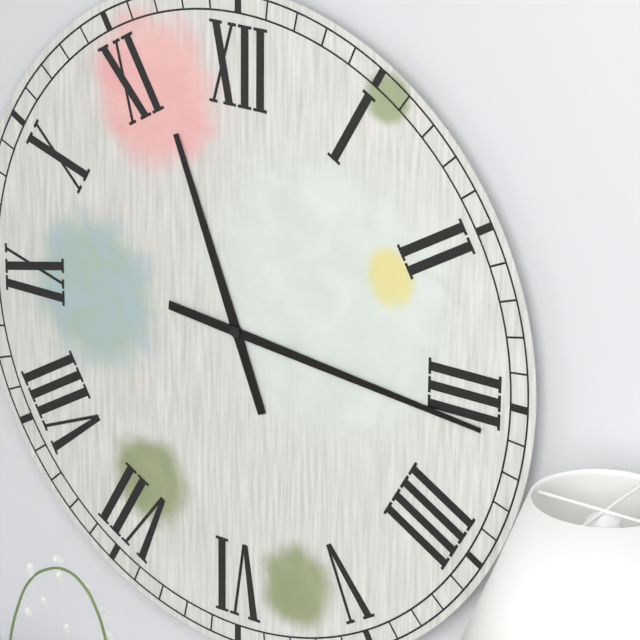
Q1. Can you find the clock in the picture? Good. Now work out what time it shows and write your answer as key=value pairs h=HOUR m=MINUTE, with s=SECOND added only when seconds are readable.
h=11 m=16
